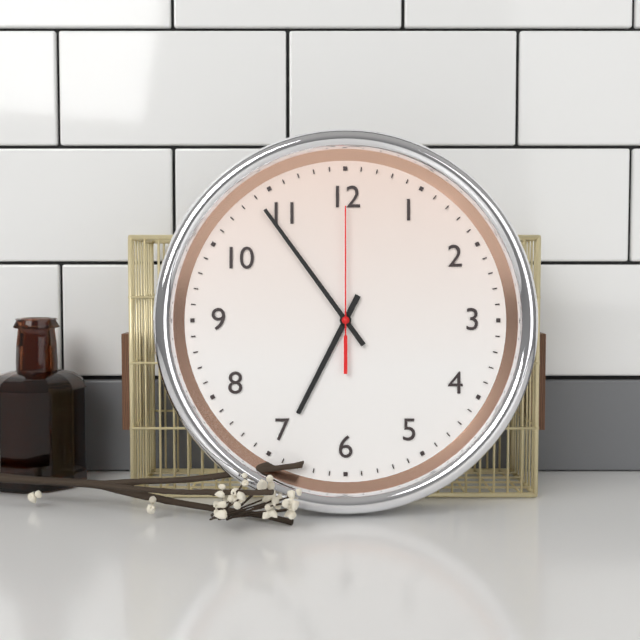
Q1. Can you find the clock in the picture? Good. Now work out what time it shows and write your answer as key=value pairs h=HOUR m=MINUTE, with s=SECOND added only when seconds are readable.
h=6 m=54 s=0
